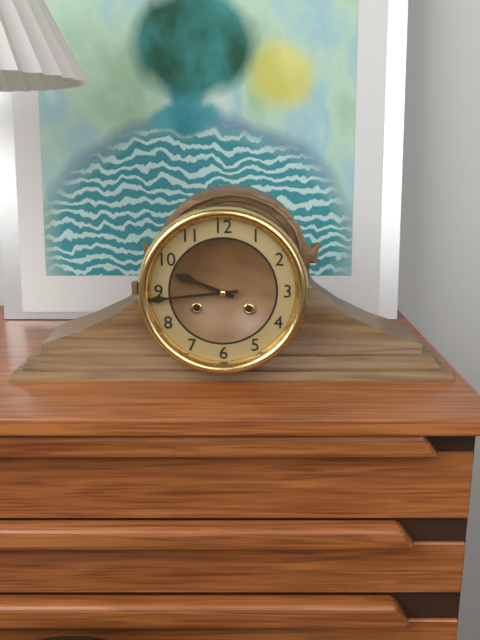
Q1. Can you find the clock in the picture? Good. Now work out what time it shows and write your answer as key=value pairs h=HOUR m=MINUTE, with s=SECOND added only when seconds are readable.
h=9 m=44
